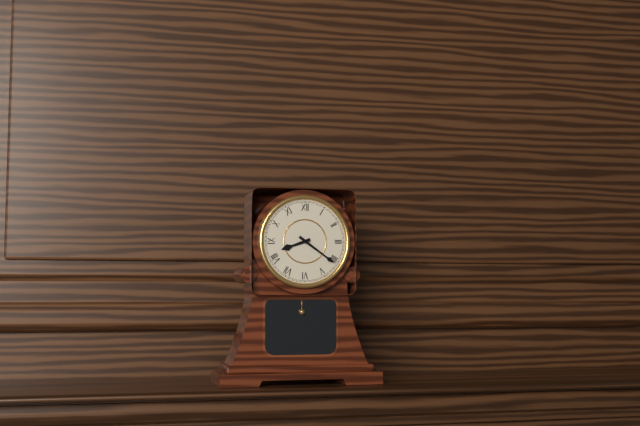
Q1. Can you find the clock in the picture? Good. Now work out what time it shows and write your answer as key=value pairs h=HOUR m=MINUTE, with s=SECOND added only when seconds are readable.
h=8 m=21
